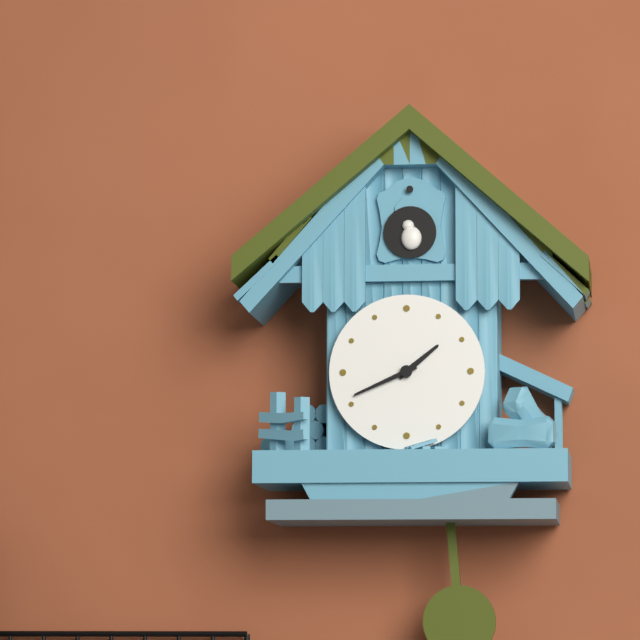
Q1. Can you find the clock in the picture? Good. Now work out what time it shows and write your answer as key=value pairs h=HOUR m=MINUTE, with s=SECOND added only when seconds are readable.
h=1 m=41
